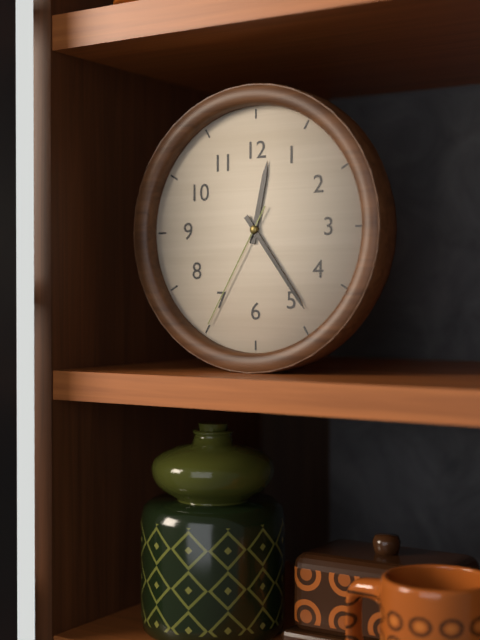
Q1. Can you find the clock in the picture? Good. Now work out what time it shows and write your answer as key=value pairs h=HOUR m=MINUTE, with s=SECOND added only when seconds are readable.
h=12 m=24 s=35
